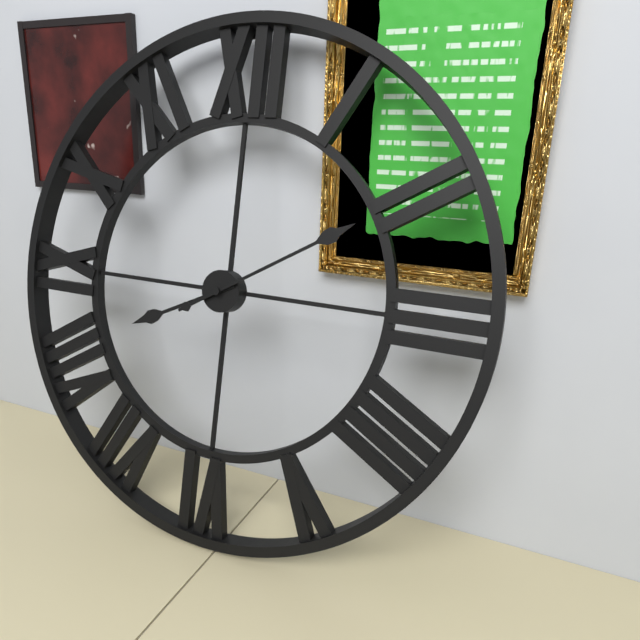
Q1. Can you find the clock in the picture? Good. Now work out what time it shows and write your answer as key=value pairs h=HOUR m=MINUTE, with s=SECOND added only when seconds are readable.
h=8 m=10
